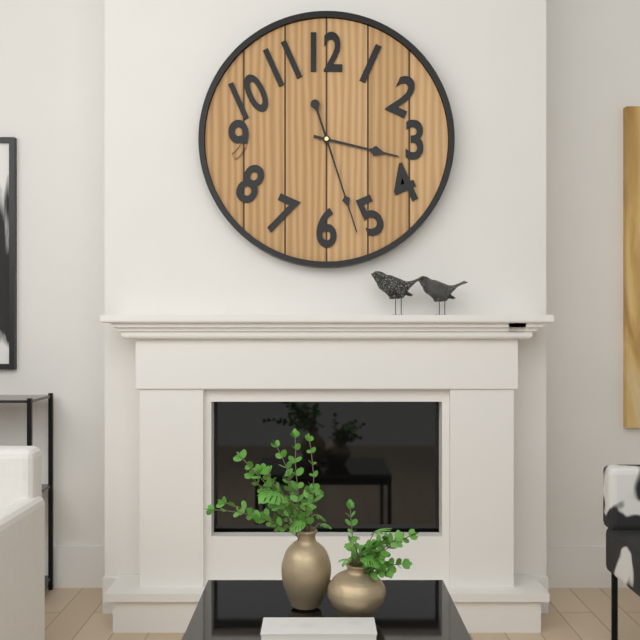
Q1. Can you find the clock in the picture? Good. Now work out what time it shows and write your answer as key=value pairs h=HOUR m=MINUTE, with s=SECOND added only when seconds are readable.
h=3 m=27
